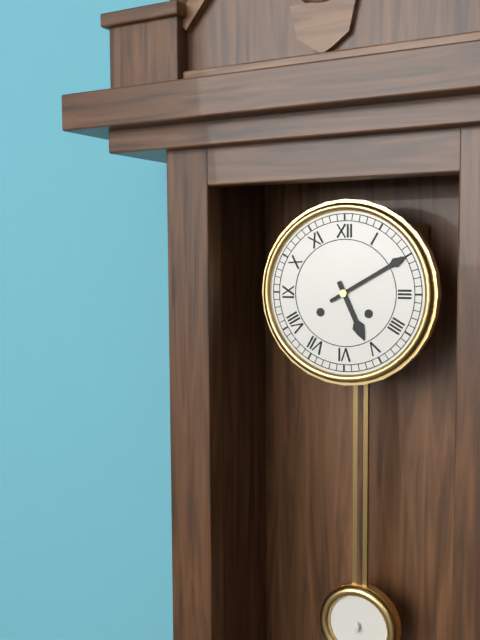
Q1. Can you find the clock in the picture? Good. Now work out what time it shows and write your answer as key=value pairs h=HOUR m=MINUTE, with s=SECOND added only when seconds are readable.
h=5 m=10
